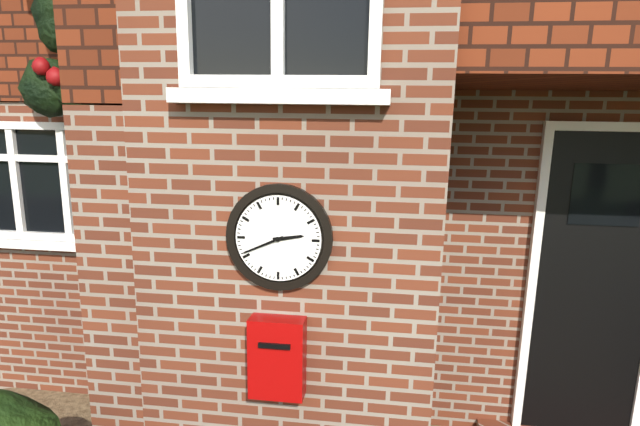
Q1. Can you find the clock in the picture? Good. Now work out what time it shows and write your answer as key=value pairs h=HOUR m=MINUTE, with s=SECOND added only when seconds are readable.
h=2 m=41
